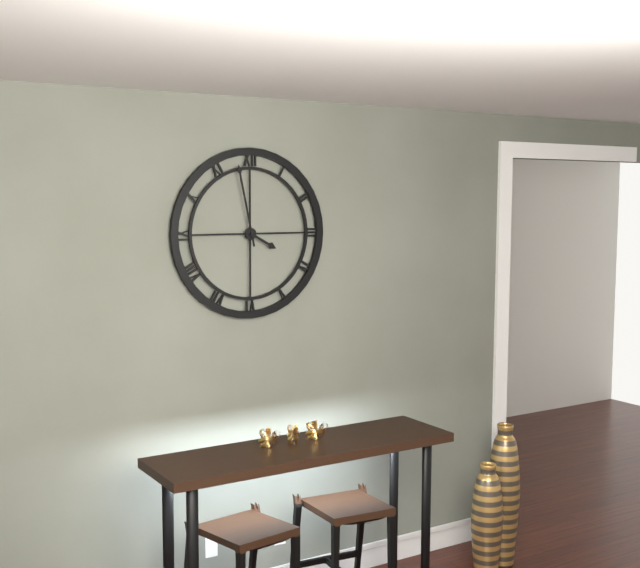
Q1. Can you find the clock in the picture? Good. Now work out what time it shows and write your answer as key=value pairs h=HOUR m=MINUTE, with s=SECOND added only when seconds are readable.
h=3 m=58
